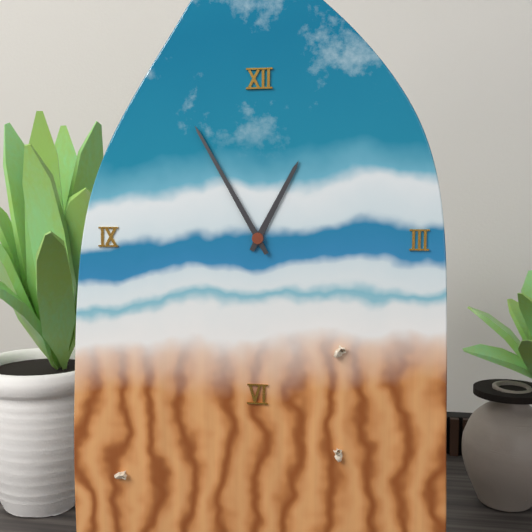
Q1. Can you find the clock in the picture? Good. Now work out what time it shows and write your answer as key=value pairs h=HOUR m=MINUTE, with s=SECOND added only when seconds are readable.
h=12 m=55
